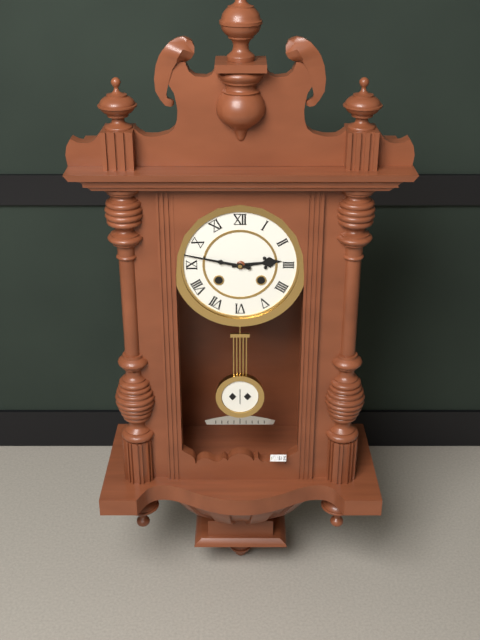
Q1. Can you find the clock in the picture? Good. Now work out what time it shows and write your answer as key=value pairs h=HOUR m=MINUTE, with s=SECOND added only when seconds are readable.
h=2 m=47
